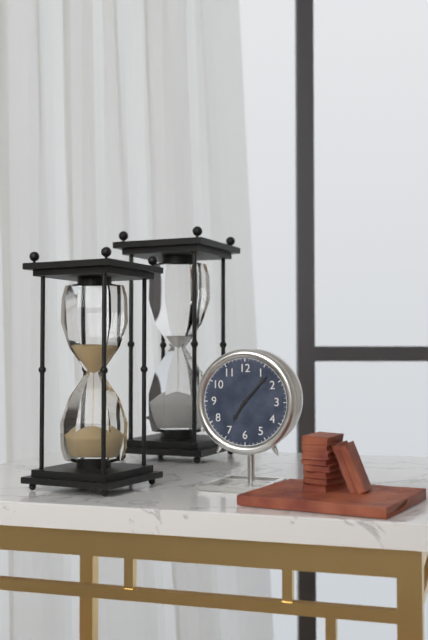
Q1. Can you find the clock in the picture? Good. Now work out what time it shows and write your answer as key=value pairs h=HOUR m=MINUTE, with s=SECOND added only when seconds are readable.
h=7 m=7
